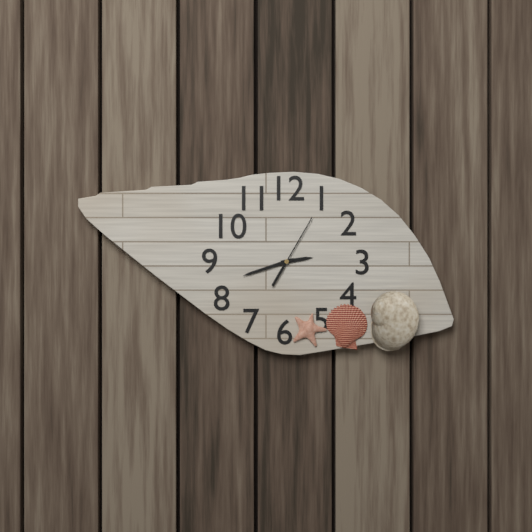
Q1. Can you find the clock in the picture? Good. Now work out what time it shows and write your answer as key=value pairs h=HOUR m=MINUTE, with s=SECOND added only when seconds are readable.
h=2 m=42 s=5
